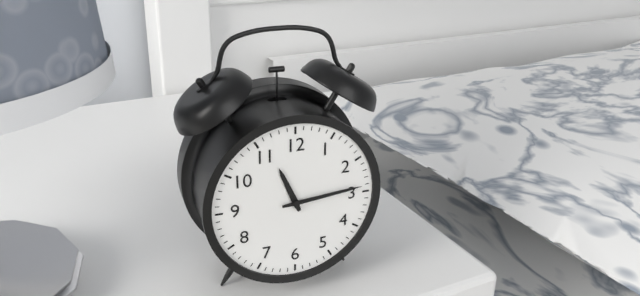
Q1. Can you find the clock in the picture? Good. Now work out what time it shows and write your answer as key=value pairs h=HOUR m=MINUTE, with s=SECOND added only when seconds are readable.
h=11 m=14
